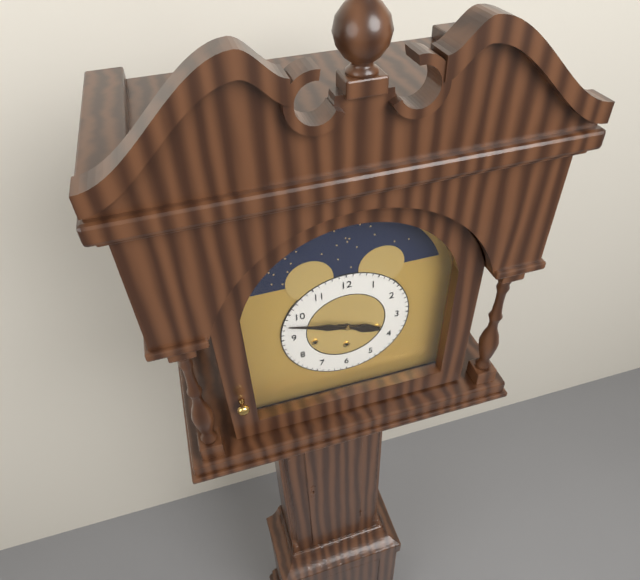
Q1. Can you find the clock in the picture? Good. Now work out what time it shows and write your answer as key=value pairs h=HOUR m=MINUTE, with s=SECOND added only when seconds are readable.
h=3 m=48
